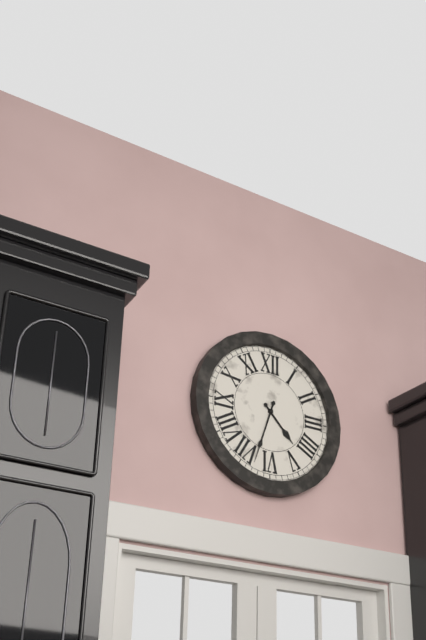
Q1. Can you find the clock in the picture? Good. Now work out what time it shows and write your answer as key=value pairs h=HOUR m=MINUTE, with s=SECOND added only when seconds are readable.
h=4 m=33
